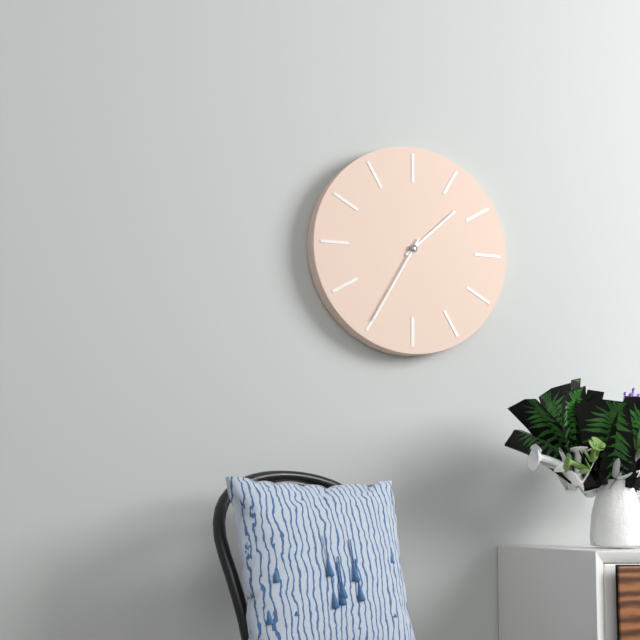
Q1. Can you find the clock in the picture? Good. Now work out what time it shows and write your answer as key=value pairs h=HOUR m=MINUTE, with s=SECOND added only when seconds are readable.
h=1 m=35
